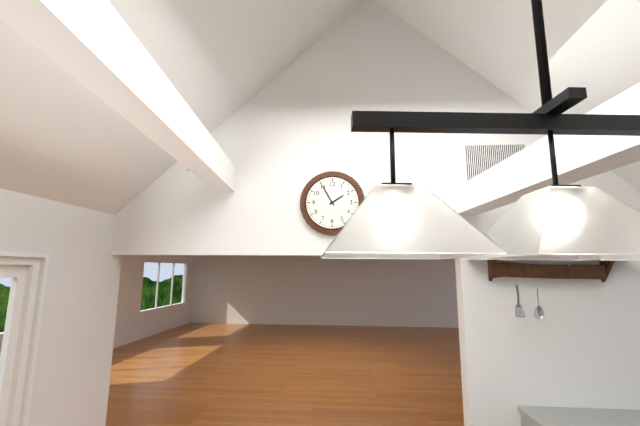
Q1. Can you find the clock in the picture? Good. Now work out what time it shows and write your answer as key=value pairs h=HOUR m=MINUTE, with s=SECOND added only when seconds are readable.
h=1 m=55
